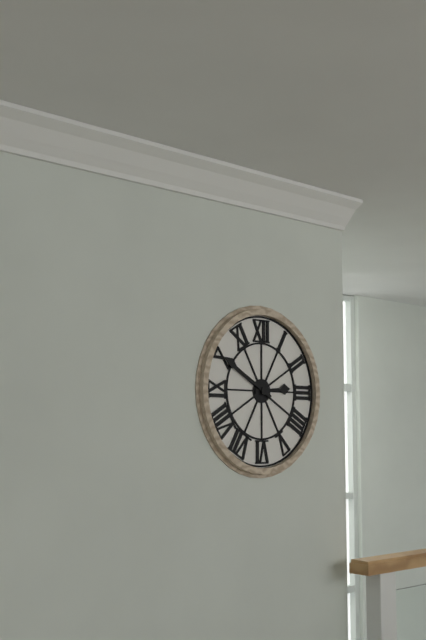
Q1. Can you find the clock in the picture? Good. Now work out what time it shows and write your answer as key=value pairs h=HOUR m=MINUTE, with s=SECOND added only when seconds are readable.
h=2 m=50
